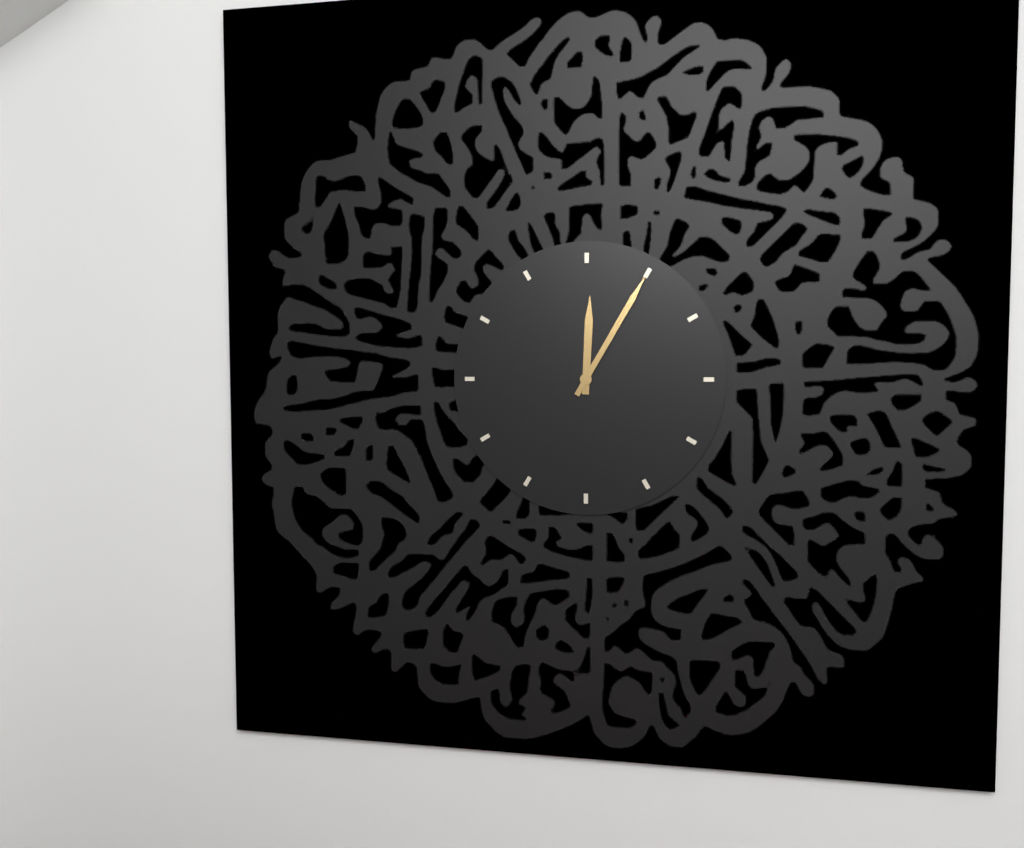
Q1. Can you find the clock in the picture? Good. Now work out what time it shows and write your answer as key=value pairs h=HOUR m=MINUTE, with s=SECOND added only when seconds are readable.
h=12 m=5
